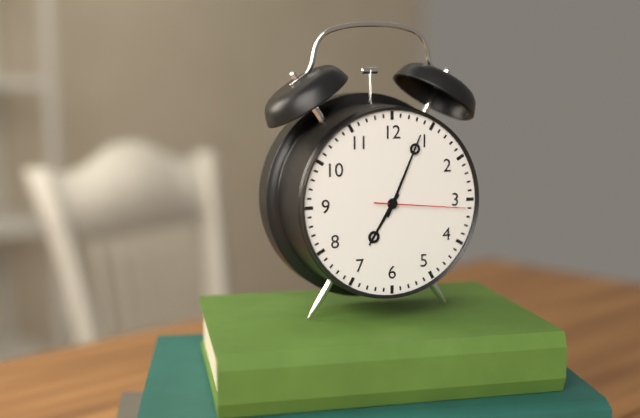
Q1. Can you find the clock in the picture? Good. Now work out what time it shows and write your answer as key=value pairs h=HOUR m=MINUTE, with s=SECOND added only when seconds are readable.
h=7 m=4 s=16
